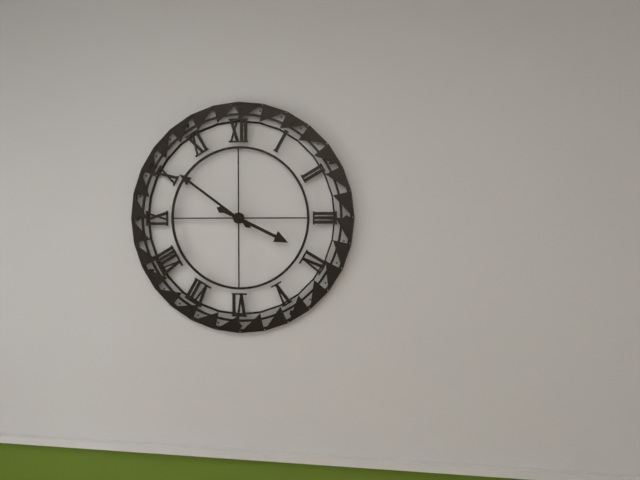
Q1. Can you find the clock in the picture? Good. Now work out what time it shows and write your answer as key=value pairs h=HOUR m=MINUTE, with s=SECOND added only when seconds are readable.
h=3 m=51
